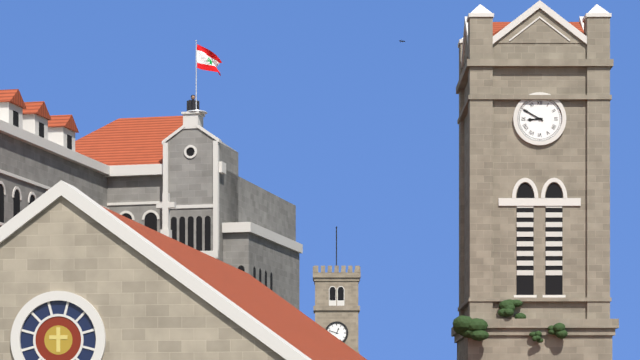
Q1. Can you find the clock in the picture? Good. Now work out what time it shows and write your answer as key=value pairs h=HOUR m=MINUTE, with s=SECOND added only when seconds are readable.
h=8 m=50
